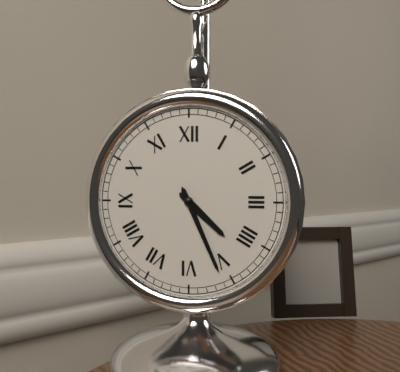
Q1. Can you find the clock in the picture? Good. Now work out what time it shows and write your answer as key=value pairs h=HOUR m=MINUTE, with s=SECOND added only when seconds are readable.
h=4 m=26
